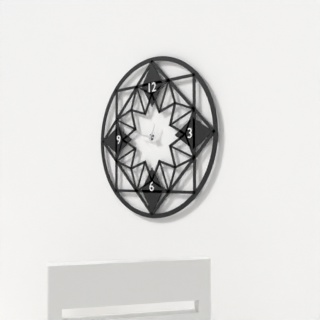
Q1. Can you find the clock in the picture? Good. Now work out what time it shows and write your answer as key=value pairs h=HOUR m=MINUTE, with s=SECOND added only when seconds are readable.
h=12 m=47
